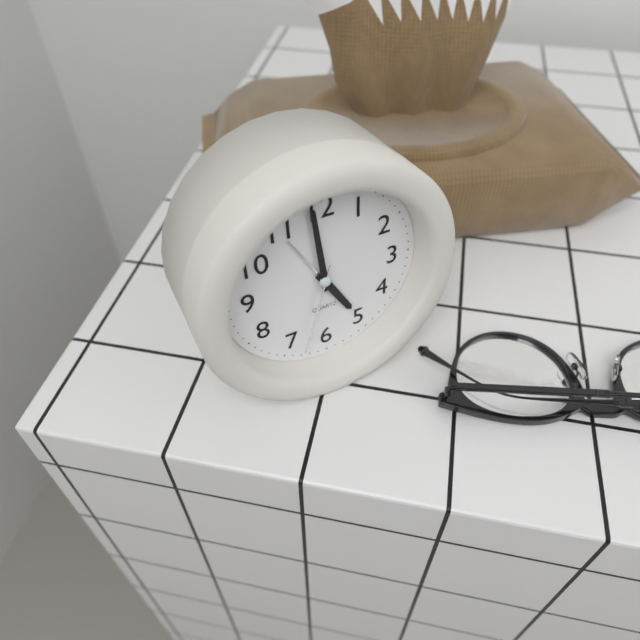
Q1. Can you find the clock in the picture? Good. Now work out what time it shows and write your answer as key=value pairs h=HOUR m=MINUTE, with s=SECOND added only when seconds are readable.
h=4 m=59 s=33
